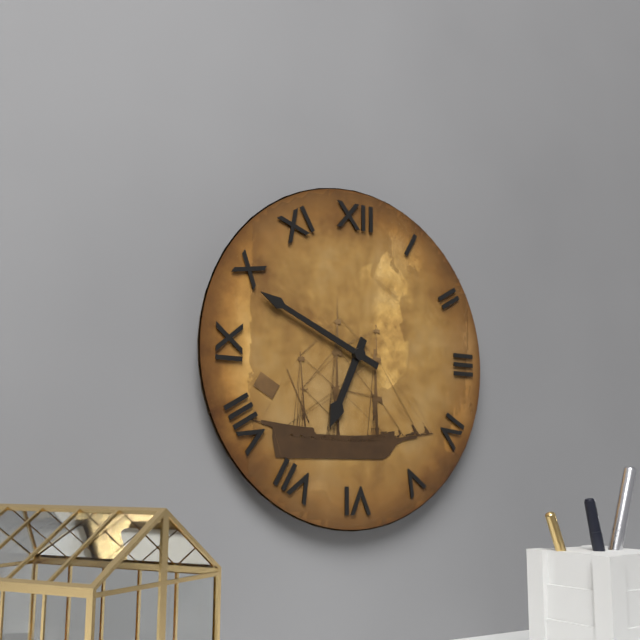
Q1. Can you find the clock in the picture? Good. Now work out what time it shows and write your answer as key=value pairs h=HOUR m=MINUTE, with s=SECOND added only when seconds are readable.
h=6 m=49
